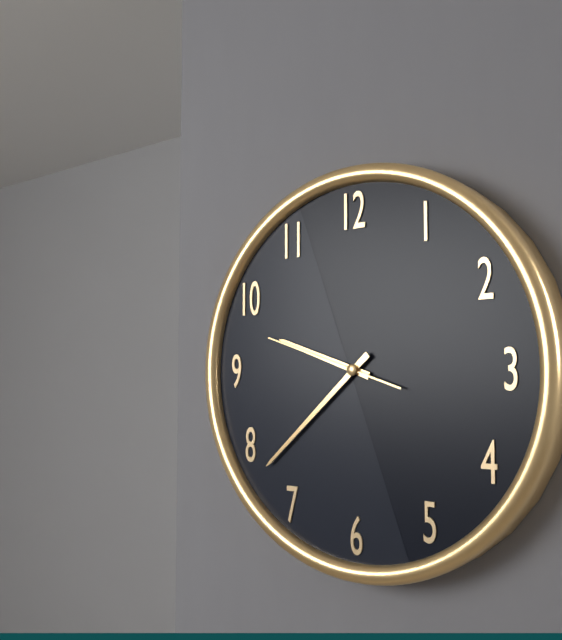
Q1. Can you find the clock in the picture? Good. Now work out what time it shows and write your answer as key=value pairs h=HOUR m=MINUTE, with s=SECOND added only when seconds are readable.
h=9 m=38 s=48
